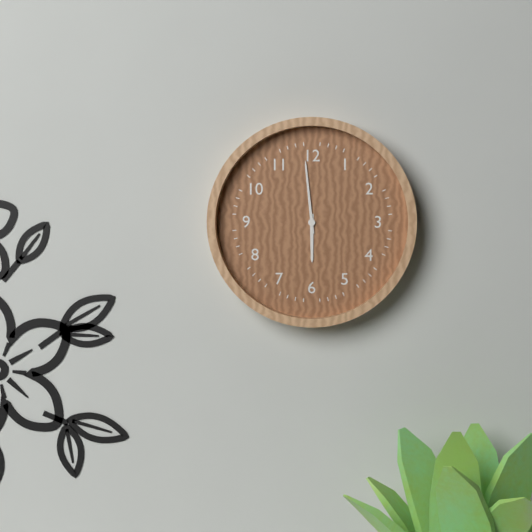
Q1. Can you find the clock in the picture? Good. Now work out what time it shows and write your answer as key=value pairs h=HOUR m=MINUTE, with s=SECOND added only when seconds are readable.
h=5 m=59
